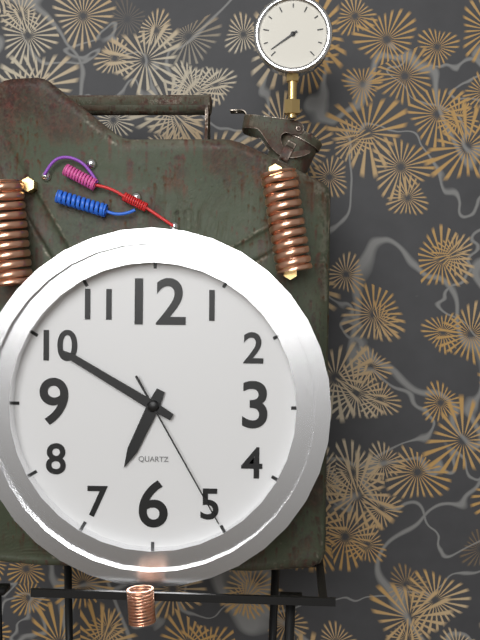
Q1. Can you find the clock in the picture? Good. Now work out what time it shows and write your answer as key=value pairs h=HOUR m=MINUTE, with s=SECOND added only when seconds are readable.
h=6 m=50 s=25
